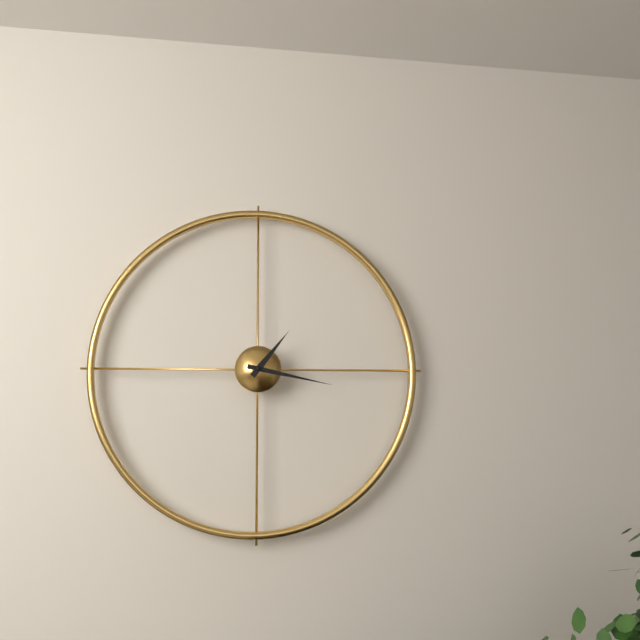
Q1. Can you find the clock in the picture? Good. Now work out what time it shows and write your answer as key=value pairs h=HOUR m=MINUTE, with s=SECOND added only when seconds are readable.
h=1 m=17
